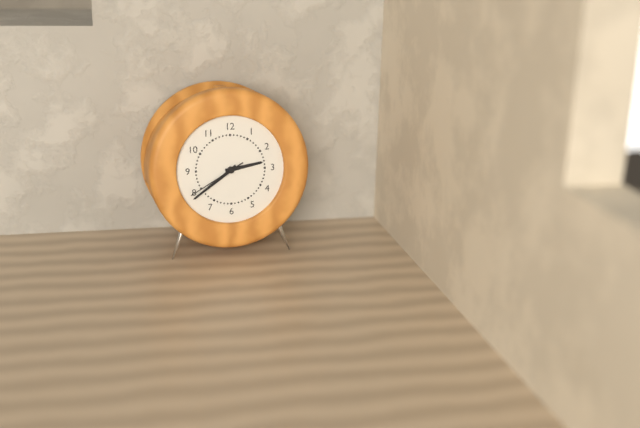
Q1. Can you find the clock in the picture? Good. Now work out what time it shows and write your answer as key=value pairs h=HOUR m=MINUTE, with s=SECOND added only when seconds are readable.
h=2 m=39 s=40
